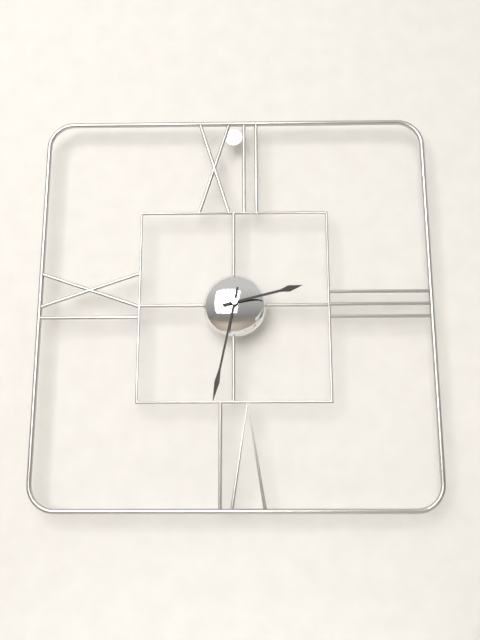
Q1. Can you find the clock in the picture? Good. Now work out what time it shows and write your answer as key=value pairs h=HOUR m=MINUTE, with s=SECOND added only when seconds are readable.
h=2 m=32
